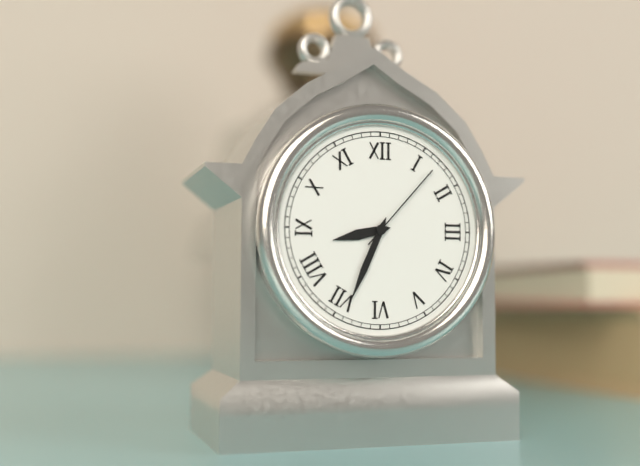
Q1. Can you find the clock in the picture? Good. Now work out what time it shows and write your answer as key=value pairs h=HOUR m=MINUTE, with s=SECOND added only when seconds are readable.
h=8 m=34 s=7
